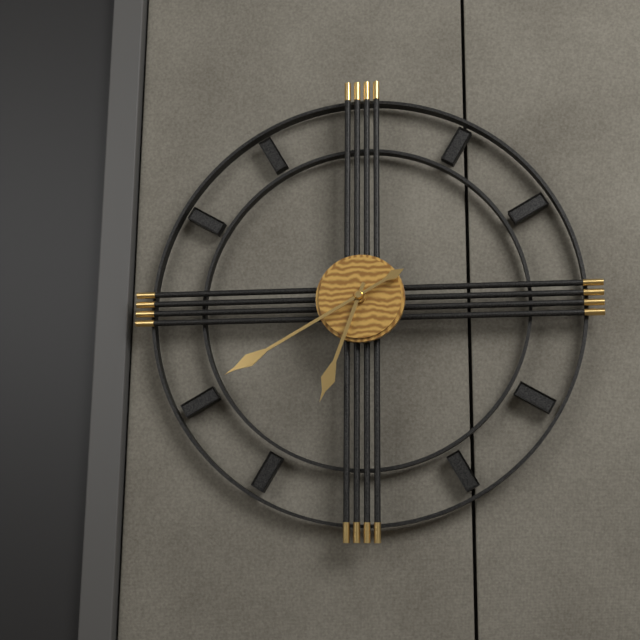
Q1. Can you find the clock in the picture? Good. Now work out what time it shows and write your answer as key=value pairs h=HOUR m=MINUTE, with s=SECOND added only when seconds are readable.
h=6 m=40
